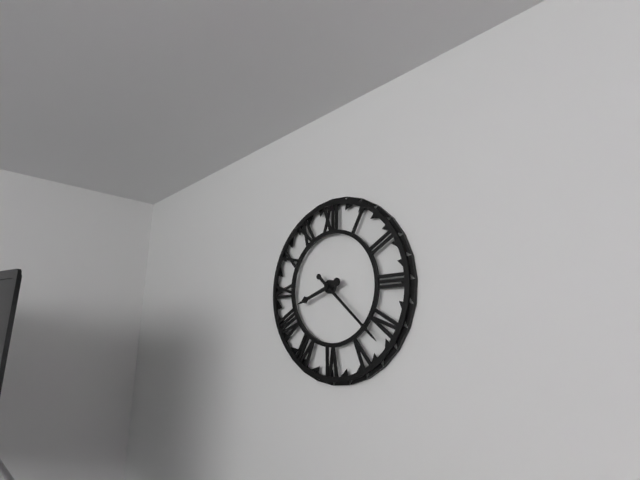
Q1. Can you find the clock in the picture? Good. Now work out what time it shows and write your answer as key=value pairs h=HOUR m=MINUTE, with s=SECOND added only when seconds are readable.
h=8 m=22
